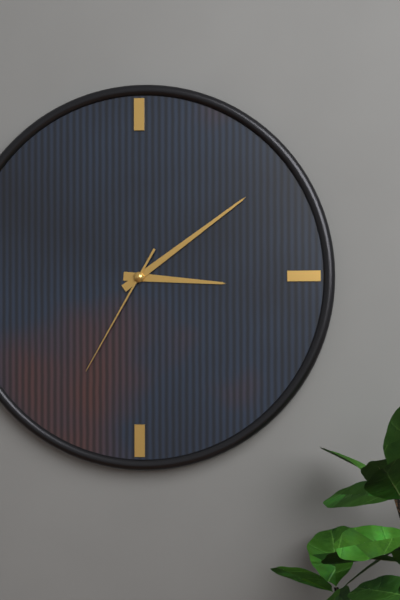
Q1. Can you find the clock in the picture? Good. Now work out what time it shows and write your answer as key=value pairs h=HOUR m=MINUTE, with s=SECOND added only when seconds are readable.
h=3 m=9 s=35
